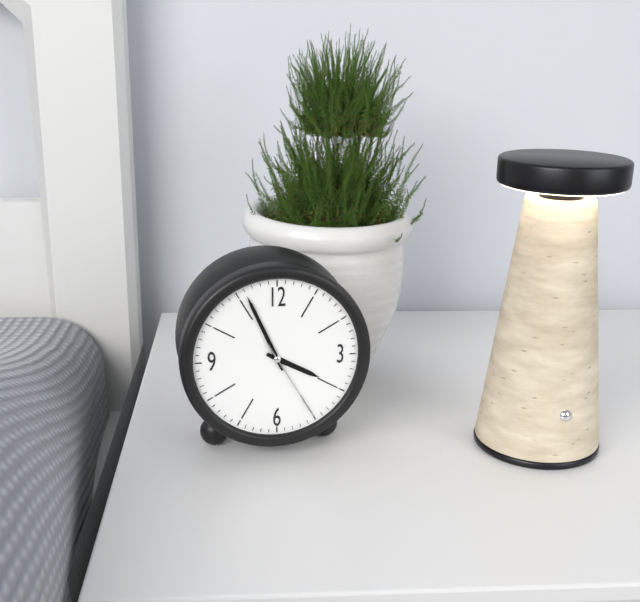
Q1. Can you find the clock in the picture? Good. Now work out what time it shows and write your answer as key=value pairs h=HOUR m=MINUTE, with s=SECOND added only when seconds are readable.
h=3 m=56 s=25
